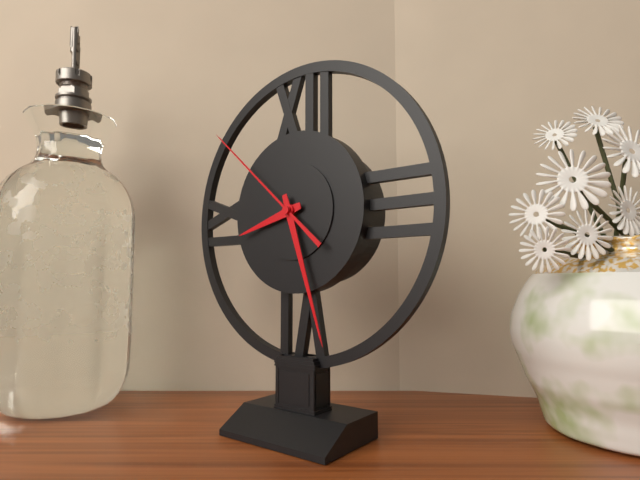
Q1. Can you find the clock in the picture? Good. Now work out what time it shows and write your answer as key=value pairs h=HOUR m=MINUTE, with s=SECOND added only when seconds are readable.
h=8 m=27 s=52
